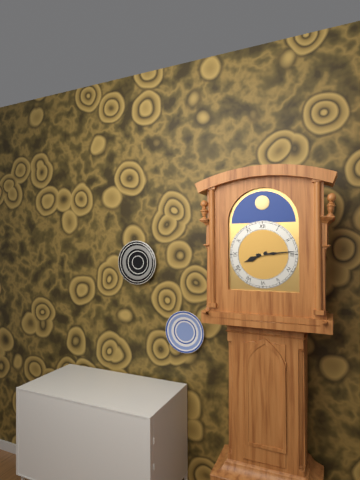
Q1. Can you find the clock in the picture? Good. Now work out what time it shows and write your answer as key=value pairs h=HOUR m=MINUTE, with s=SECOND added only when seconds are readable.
h=8 m=14
